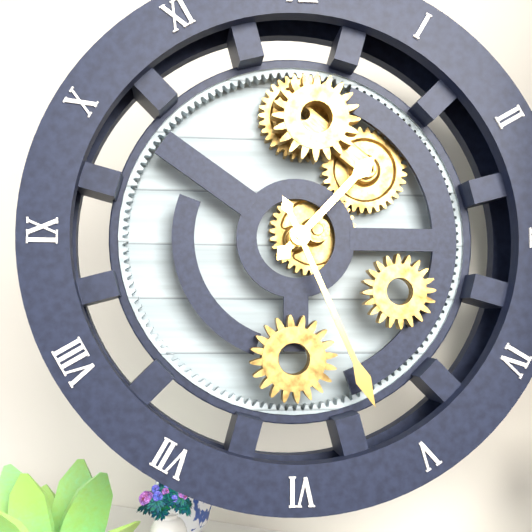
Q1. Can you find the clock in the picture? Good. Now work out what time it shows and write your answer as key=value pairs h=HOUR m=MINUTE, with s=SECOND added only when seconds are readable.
h=1 m=26
